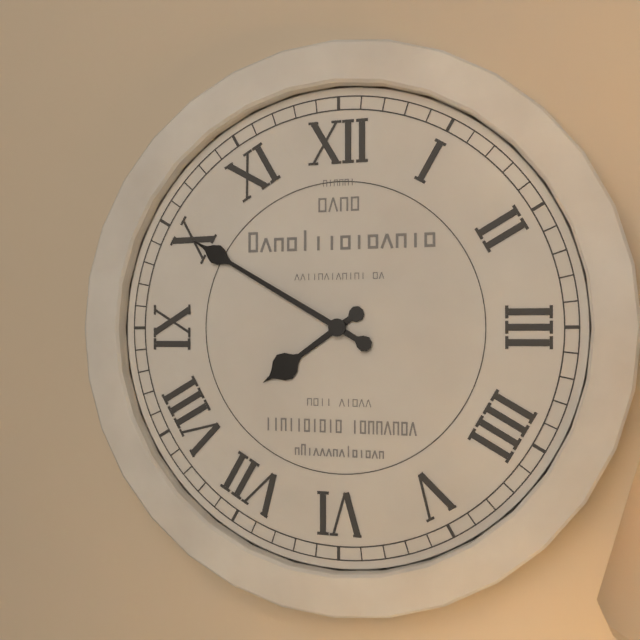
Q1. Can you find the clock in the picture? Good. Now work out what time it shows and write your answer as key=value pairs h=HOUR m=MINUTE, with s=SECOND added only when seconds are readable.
h=7 m=50
